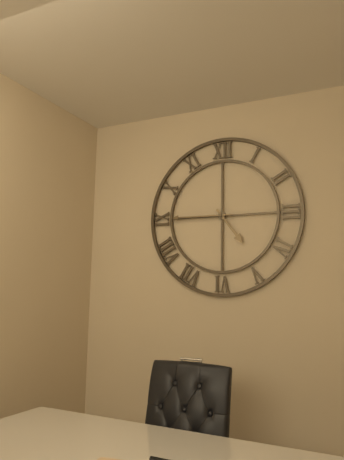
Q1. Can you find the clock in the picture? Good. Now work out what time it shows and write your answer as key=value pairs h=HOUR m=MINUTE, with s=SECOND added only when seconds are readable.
h=4 m=45
